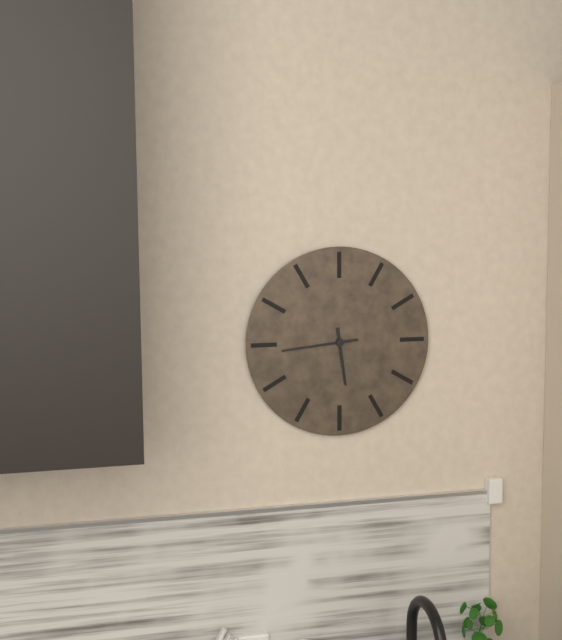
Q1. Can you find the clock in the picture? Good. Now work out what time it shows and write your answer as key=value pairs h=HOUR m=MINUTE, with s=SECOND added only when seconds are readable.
h=5 m=44
